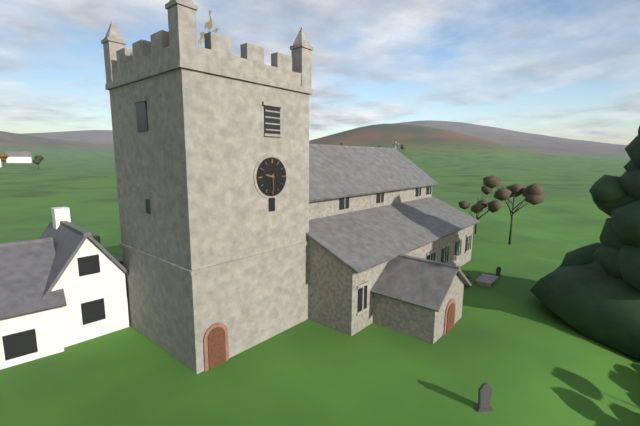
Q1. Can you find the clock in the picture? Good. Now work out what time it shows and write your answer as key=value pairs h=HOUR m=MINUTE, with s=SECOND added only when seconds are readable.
h=9 m=30
